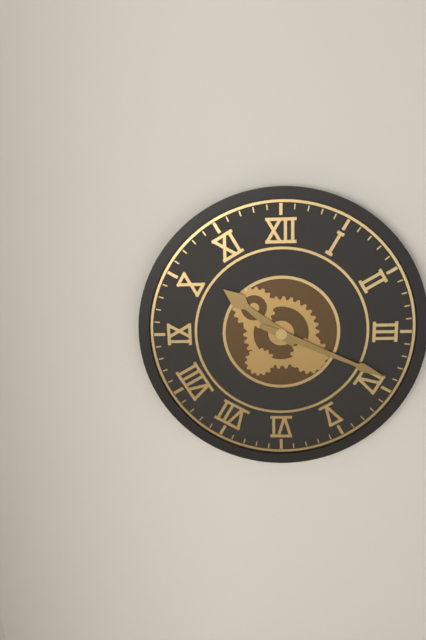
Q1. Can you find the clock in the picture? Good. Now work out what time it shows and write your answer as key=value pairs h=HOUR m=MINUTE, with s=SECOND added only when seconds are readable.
h=10 m=19
